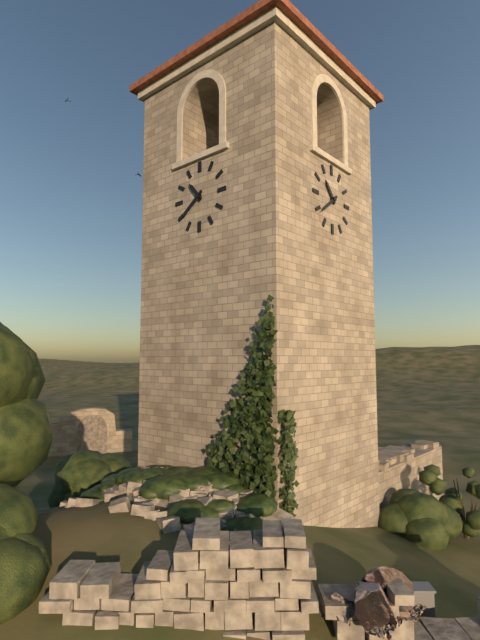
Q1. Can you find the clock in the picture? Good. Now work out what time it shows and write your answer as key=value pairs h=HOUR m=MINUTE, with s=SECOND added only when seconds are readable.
h=10 m=39
